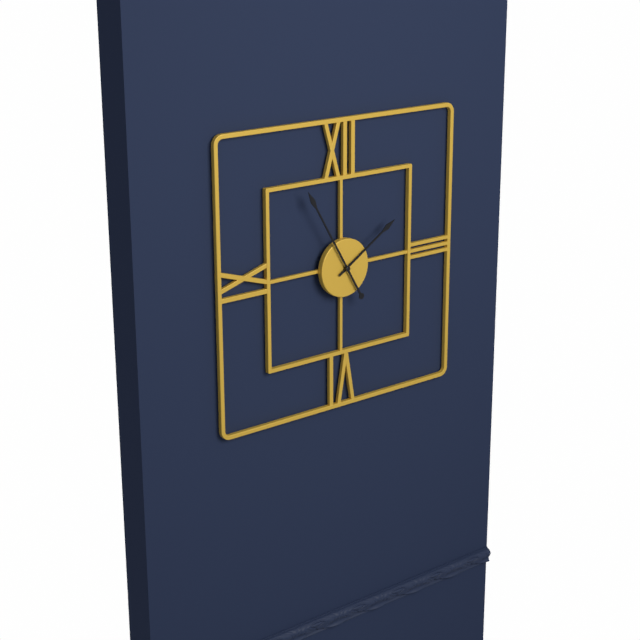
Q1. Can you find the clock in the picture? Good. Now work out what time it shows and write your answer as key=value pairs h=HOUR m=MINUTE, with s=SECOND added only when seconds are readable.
h=1 m=55
